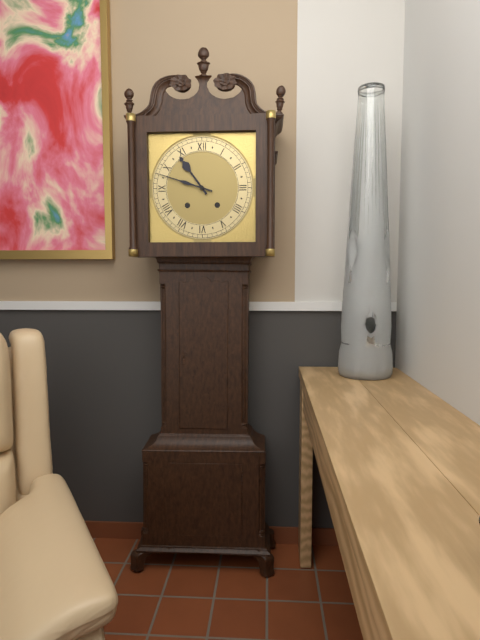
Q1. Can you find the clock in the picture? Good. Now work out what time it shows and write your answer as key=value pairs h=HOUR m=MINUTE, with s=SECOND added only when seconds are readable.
h=10 m=48
